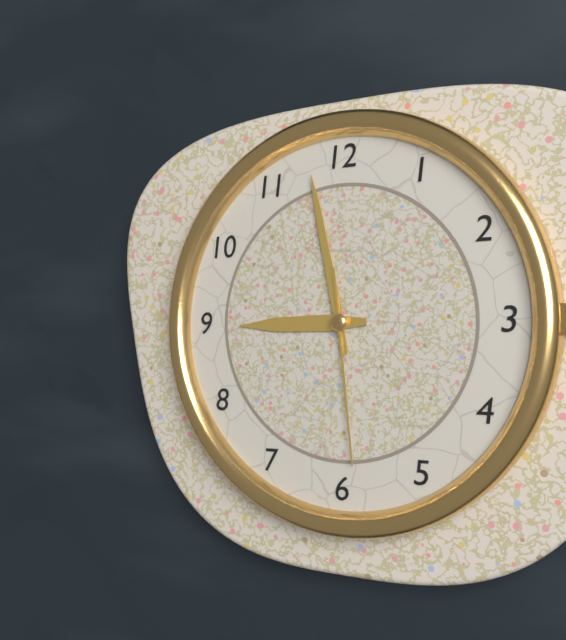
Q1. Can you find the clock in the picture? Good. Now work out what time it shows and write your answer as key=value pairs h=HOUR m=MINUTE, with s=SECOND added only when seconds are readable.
h=8 m=58 s=29
